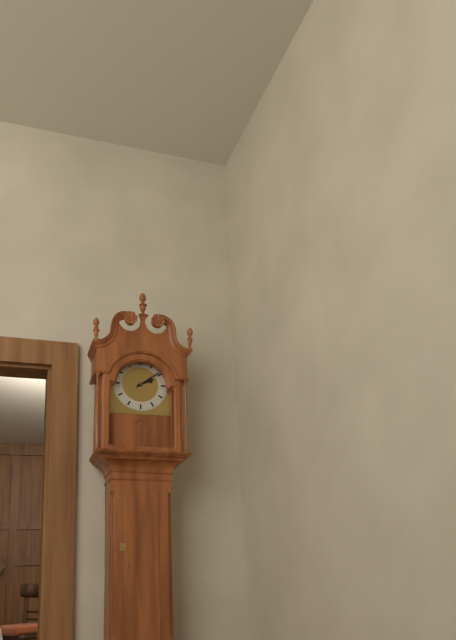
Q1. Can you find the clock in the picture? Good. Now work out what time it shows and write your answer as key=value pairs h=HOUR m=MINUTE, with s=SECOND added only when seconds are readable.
h=2 m=9
